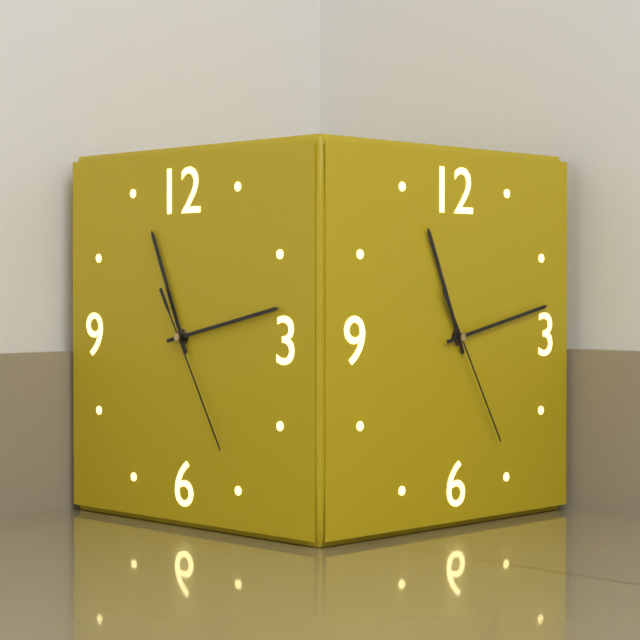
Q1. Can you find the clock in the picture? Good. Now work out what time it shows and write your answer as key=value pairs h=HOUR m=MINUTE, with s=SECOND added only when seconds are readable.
h=11 m=13 s=25
